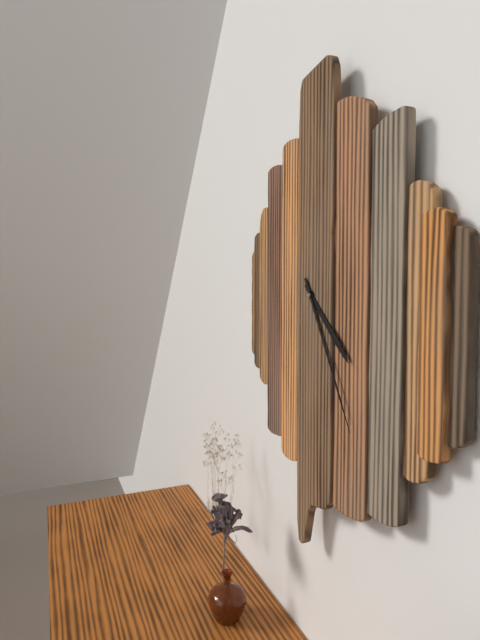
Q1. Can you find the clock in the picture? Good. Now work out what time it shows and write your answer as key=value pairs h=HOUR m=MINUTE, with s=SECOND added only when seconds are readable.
h=4 m=25
